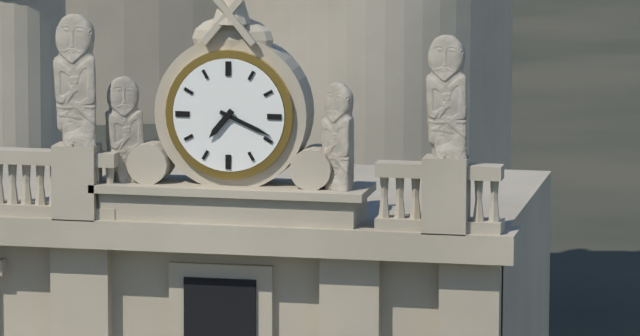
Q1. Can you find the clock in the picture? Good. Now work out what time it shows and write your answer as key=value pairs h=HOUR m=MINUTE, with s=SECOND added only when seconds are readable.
h=7 m=19
